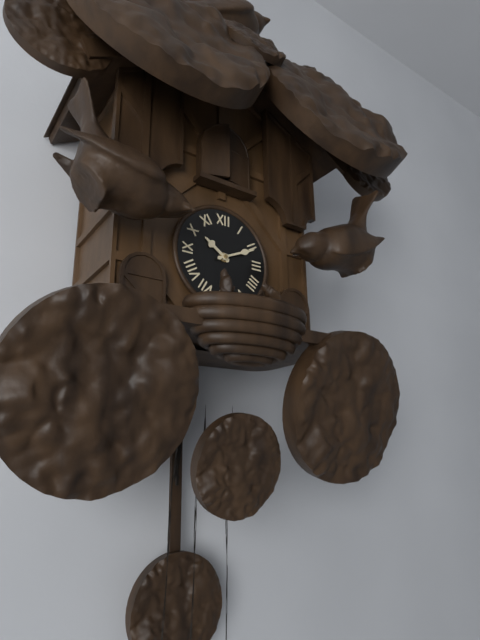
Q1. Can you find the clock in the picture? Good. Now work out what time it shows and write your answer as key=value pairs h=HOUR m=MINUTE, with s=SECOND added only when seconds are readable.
h=10 m=11
